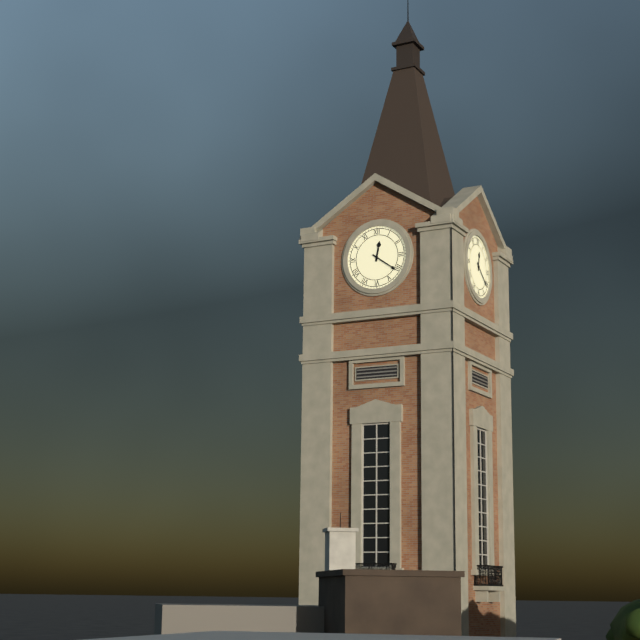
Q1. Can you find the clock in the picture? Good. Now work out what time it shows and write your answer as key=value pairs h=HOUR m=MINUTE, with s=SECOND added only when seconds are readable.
h=12 m=21
